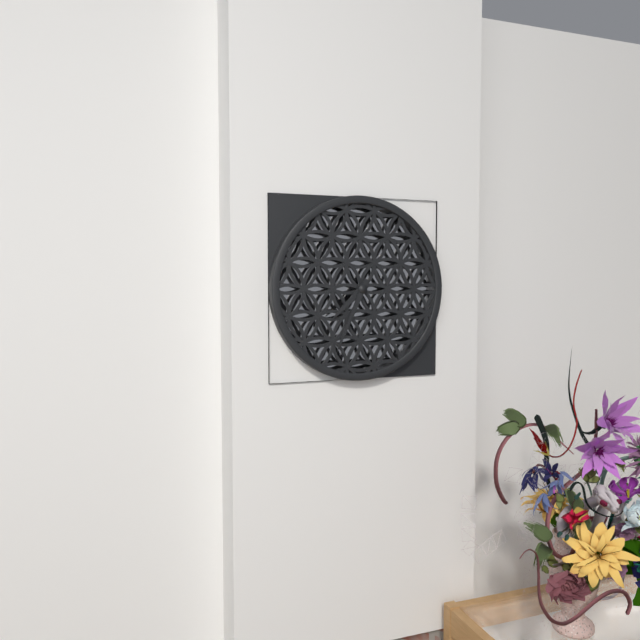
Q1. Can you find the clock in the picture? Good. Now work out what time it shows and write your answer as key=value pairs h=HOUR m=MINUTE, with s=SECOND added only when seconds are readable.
h=7 m=34
